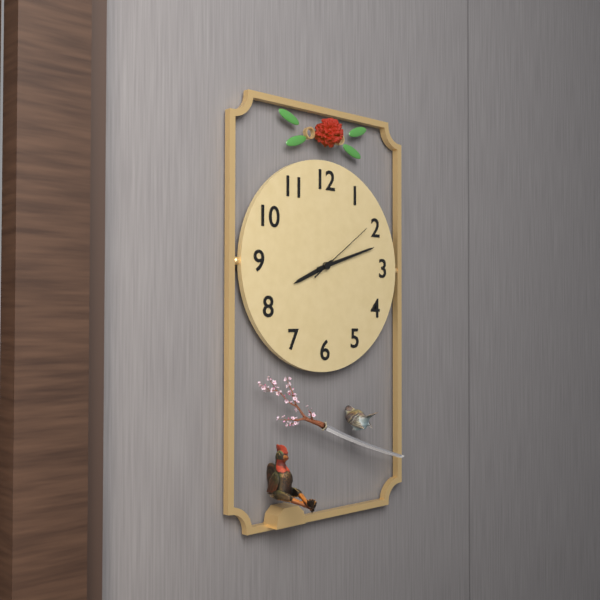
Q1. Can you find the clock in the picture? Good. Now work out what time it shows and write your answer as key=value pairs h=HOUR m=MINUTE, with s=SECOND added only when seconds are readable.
h=8 m=12 s=9
